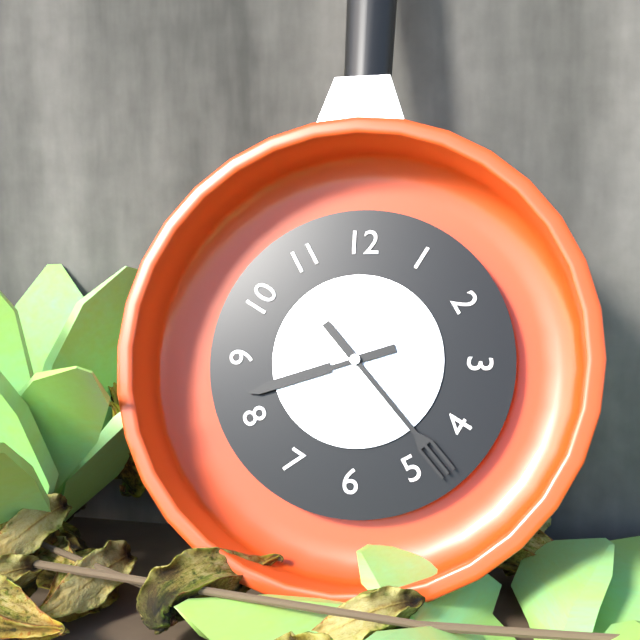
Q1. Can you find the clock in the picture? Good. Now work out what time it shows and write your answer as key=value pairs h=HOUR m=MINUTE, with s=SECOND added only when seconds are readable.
h=8 m=23
